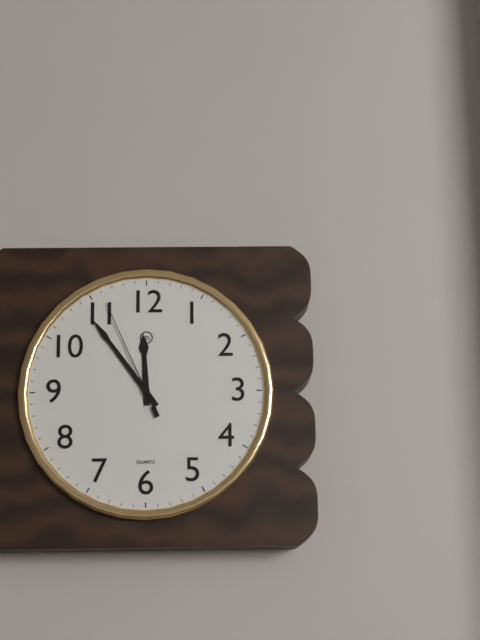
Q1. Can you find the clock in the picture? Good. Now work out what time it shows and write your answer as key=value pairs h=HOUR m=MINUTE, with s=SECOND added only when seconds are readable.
h=11 m=54 s=56
